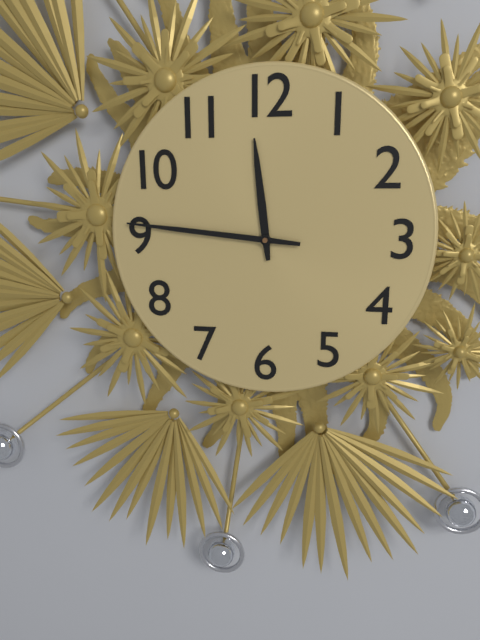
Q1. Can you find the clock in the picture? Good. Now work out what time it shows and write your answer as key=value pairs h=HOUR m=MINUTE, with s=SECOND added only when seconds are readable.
h=11 m=46
